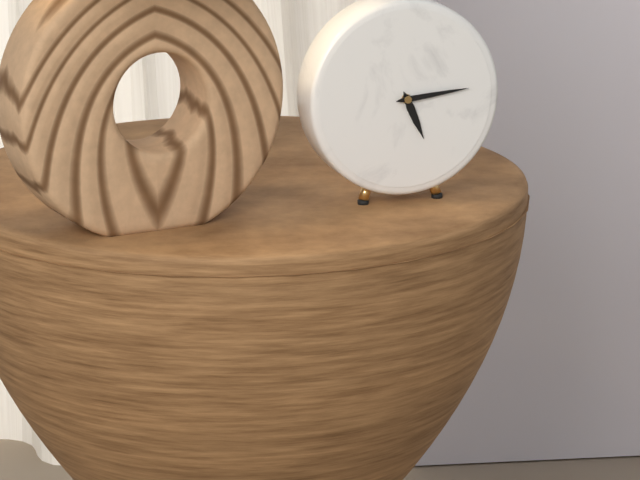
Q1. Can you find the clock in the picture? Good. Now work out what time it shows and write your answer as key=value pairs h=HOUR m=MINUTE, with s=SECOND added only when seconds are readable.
h=5 m=14
